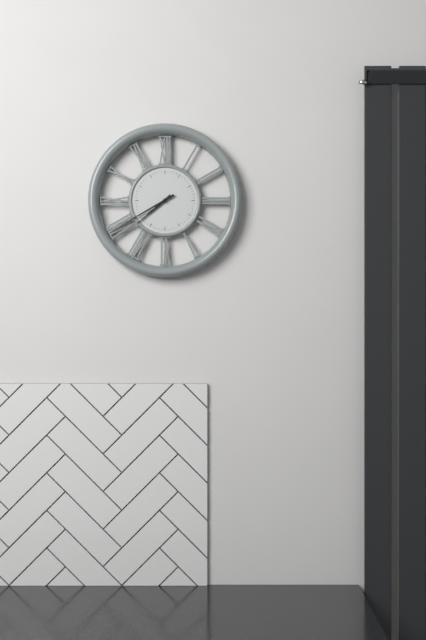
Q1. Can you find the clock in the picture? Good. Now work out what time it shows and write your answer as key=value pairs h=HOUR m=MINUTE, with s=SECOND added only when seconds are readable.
h=7 m=40
